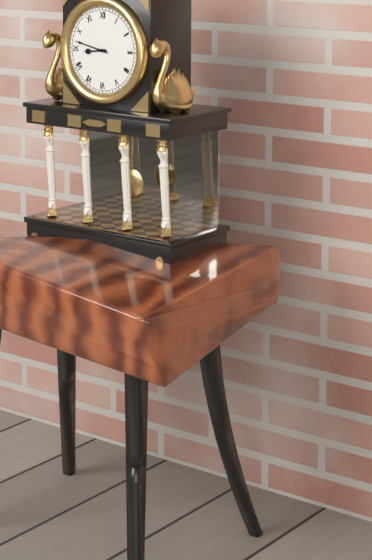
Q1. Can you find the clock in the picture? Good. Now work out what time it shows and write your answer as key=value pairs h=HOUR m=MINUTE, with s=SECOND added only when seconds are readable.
h=8 m=47
